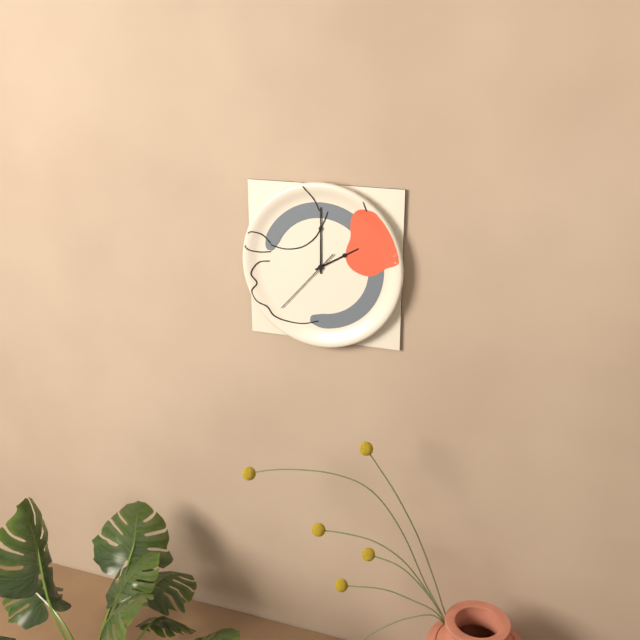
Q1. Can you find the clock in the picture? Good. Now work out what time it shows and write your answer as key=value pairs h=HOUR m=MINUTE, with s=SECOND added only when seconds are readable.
h=2 m=0 s=37
